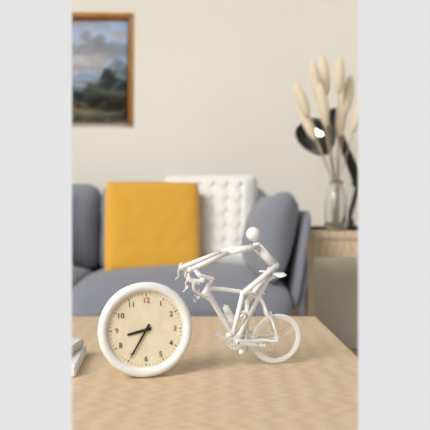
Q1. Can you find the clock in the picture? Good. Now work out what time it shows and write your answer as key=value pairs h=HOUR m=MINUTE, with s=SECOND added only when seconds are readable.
h=8 m=35
